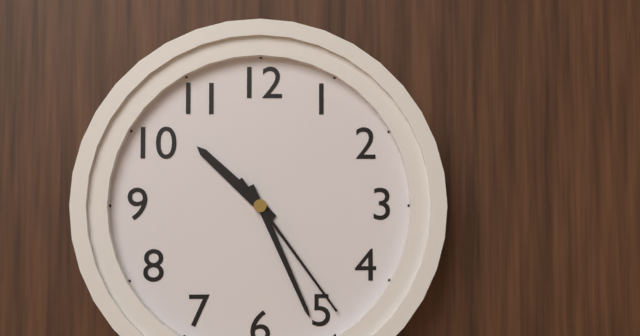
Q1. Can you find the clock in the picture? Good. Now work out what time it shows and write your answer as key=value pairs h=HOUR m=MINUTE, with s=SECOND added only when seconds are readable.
h=10 m=26 s=24
